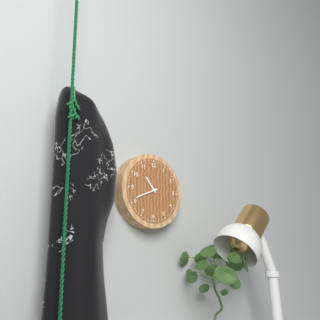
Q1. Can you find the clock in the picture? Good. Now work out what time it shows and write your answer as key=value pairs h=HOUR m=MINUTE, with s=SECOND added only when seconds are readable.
h=10 m=41
